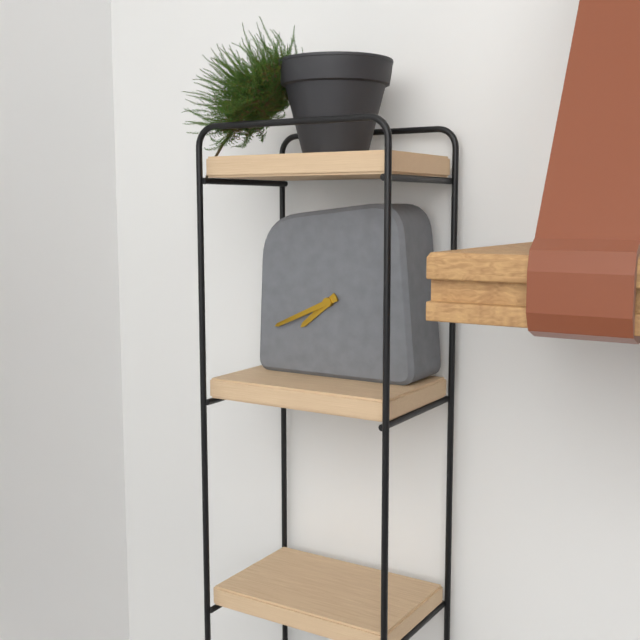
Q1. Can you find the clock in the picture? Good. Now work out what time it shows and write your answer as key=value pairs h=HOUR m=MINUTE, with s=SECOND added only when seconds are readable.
h=7 m=41
